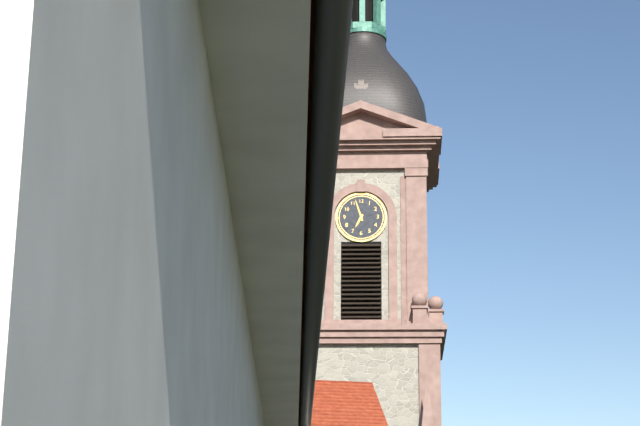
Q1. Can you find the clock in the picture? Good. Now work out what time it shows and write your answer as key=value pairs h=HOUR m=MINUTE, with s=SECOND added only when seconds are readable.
h=6 m=57
